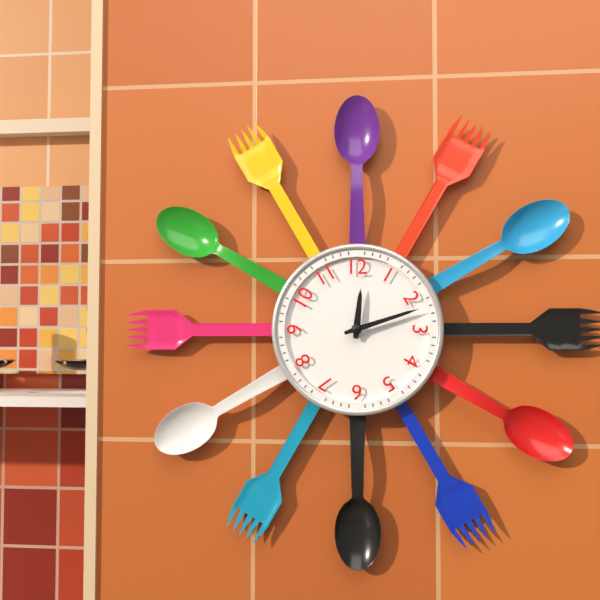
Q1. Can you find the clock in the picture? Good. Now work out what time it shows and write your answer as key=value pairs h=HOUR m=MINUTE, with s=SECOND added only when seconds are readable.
h=12 m=12
